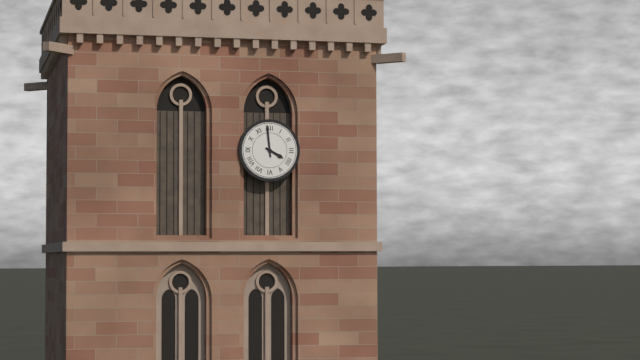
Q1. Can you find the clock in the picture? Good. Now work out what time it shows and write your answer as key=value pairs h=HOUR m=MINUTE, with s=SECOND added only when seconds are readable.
h=3 m=59
